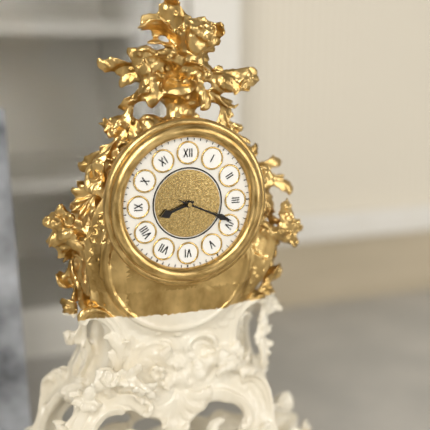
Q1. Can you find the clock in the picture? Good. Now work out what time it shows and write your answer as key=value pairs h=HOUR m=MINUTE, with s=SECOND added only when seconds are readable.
h=8 m=19
